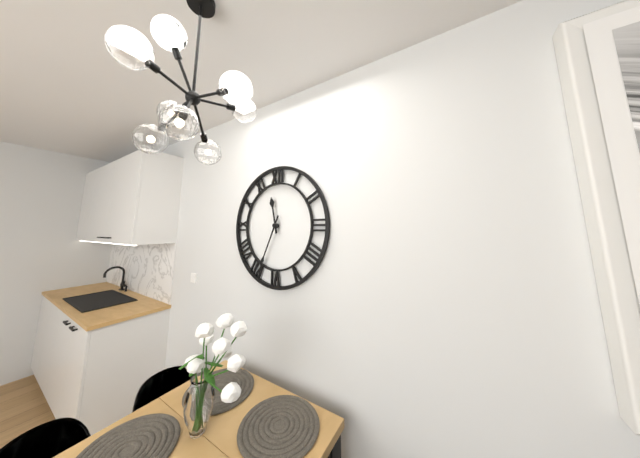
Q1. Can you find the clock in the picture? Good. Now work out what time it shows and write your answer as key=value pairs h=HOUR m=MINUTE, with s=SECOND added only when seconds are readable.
h=11 m=34
